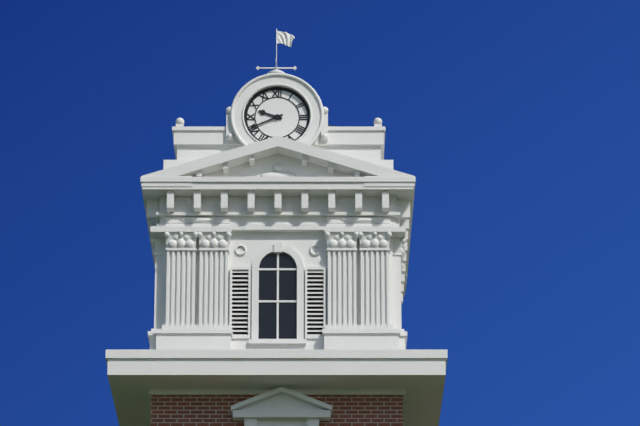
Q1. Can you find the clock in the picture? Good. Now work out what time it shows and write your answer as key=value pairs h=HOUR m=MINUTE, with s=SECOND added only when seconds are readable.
h=9 m=41
